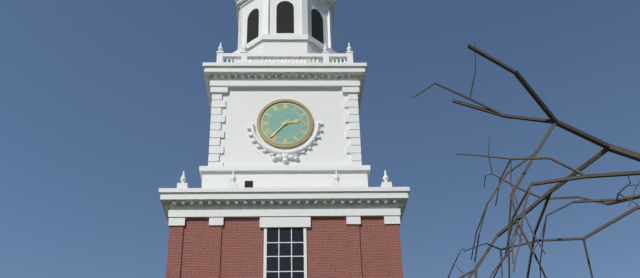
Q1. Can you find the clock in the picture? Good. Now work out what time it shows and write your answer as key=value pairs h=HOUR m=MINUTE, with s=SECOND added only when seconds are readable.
h=2 m=37
